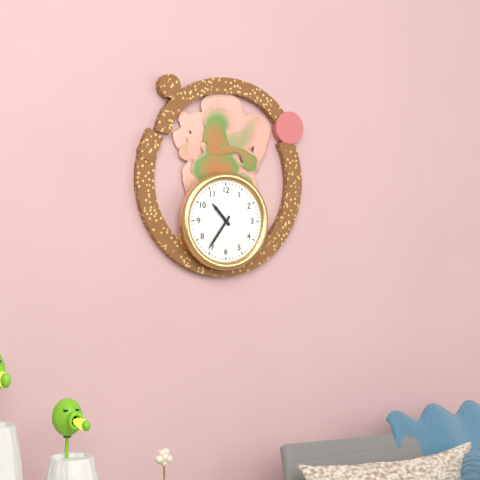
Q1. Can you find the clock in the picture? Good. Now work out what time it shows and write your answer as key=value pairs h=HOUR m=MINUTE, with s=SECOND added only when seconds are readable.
h=10 m=36
